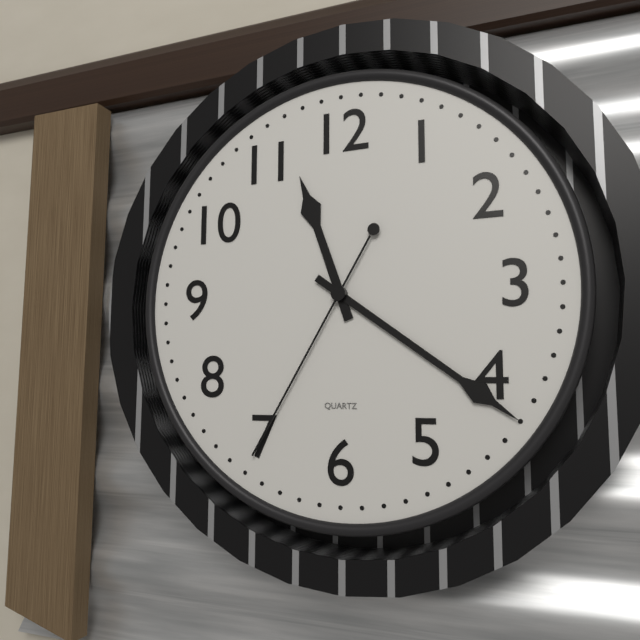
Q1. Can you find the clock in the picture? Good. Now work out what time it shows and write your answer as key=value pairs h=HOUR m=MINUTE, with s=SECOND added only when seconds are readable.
h=11 m=21 s=35
